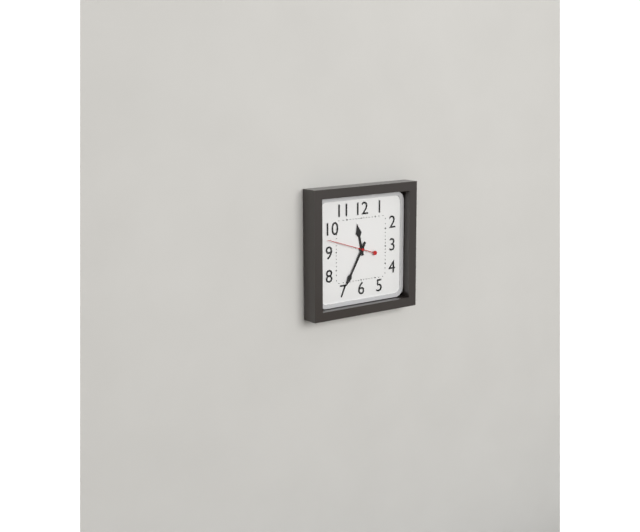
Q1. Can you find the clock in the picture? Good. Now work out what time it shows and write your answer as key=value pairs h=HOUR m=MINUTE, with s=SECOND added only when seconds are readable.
h=11 m=35
